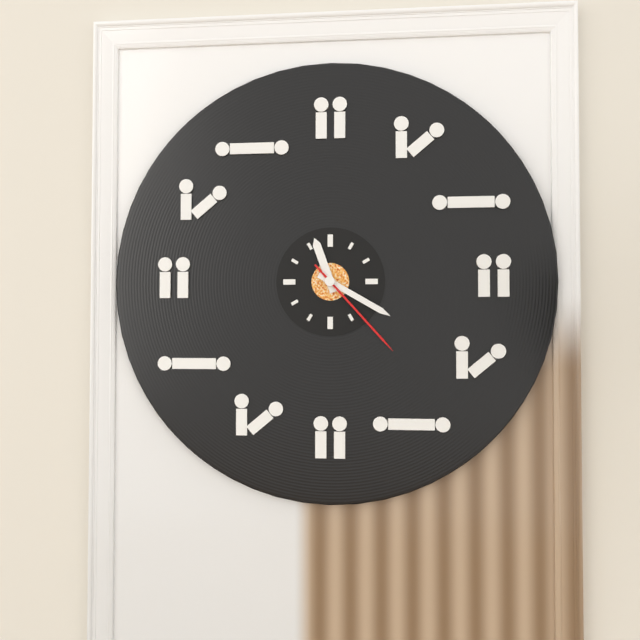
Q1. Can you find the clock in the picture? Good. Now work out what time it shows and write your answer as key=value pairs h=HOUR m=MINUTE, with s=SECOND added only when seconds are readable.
h=11 m=20 s=23
